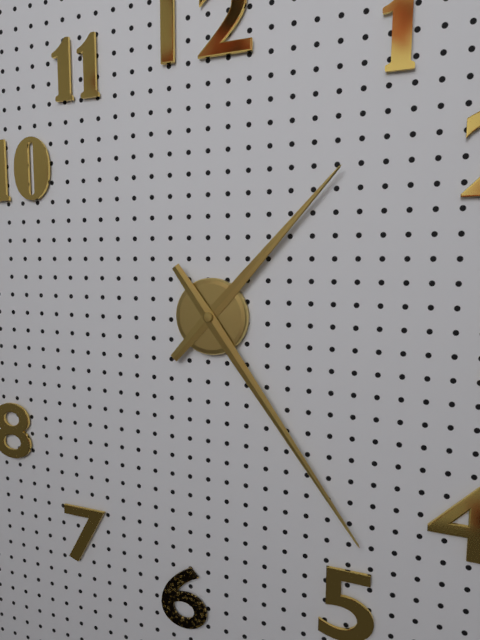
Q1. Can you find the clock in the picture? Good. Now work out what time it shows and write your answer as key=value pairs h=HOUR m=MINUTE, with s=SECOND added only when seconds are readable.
h=1 m=24
